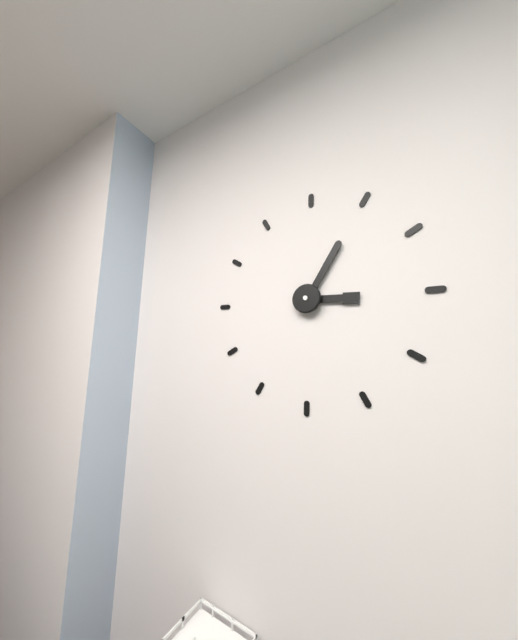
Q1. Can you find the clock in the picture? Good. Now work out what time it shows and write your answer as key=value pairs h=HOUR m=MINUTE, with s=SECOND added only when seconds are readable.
h=3 m=5
